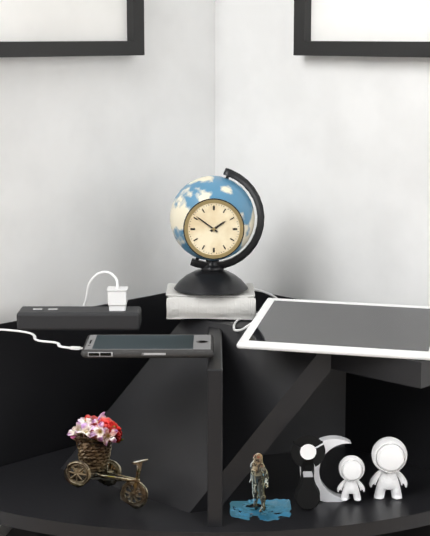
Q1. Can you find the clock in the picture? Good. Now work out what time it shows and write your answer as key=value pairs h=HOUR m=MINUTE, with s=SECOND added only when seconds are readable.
h=1 m=51
